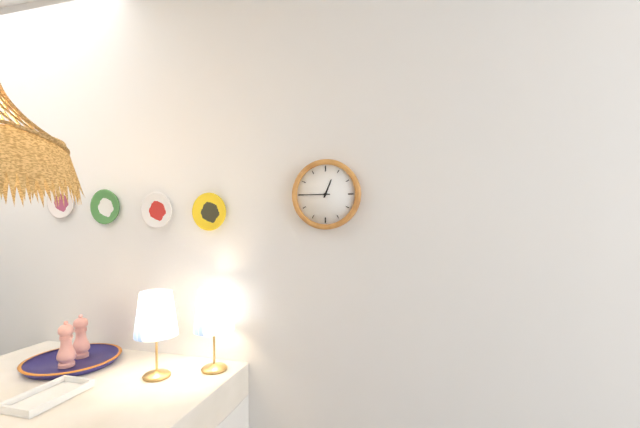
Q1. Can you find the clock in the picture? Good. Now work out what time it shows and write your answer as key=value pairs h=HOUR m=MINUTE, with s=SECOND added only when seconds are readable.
h=12 m=45
